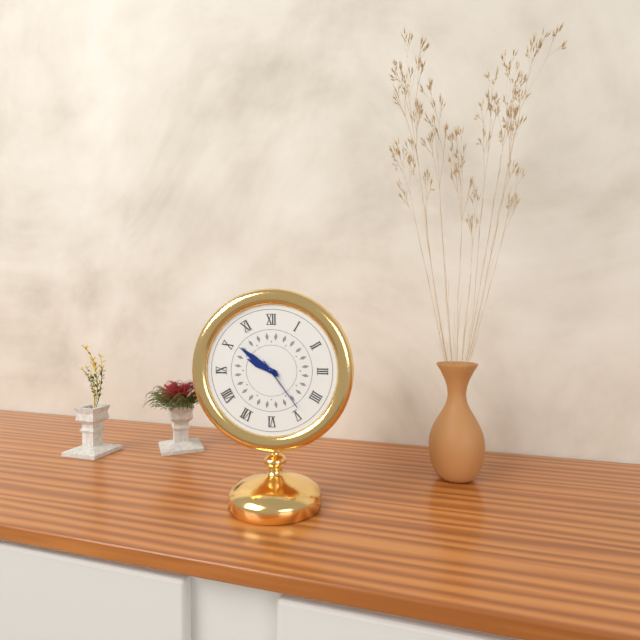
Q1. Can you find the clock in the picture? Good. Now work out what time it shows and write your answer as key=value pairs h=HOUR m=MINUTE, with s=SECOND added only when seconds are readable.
h=9 m=51 s=24
